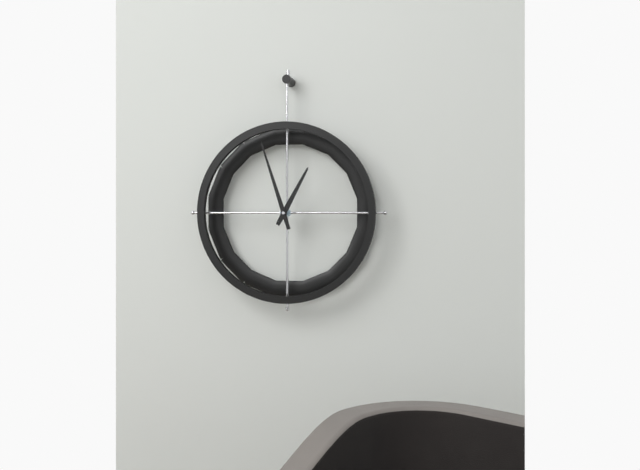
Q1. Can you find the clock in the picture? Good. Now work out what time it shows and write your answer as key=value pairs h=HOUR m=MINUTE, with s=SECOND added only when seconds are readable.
h=12 m=57
